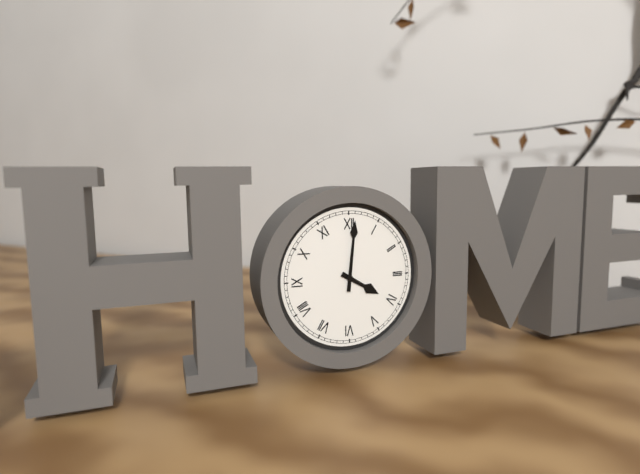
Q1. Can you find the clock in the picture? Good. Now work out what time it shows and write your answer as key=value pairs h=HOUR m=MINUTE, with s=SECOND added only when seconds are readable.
h=4 m=1
